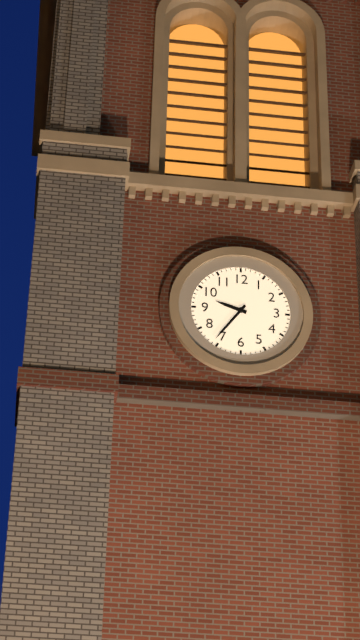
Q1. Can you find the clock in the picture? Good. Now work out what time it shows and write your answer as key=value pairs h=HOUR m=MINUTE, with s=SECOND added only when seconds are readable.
h=9 m=36
